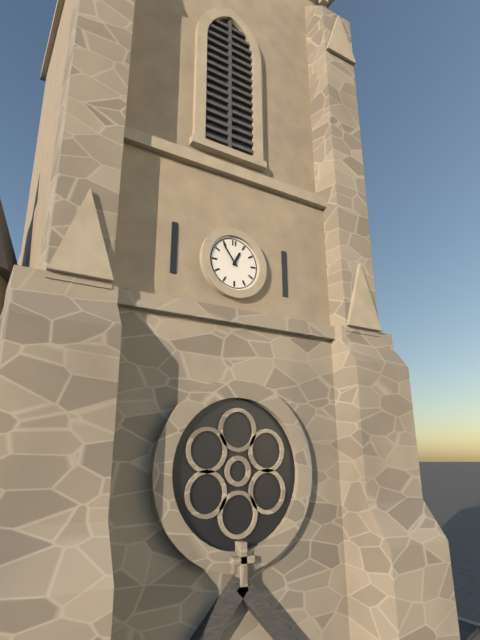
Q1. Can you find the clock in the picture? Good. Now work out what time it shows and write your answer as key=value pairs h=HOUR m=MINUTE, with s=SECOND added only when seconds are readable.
h=12 m=54
